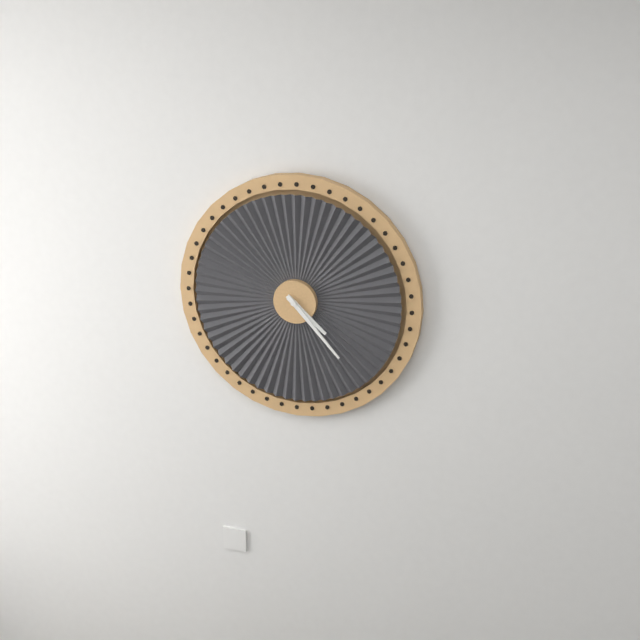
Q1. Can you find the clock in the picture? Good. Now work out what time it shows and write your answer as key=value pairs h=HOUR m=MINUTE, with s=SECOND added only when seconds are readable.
h=4 m=23
